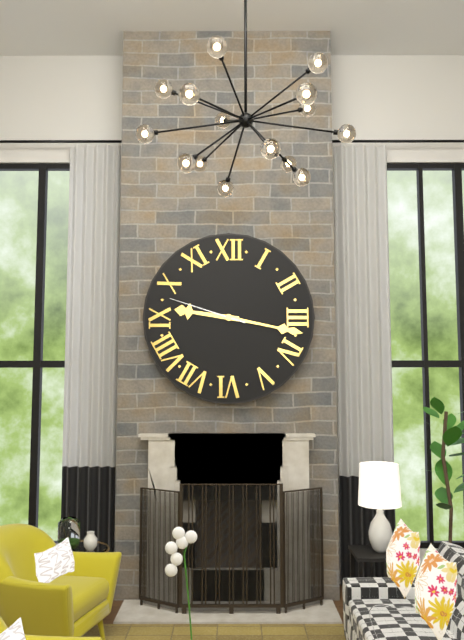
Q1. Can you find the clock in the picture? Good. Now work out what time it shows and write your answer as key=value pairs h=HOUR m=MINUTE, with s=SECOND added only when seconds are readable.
h=9 m=17 s=48
